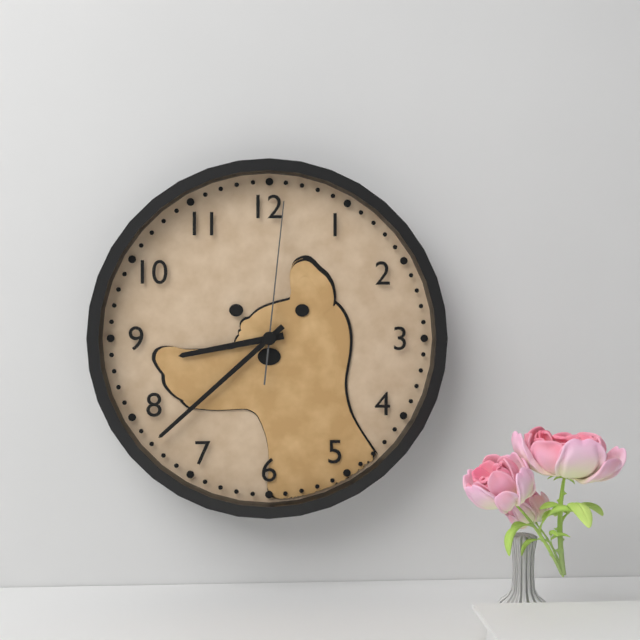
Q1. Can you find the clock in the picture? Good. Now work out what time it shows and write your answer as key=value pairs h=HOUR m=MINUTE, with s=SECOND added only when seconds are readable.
h=8 m=38 s=1
